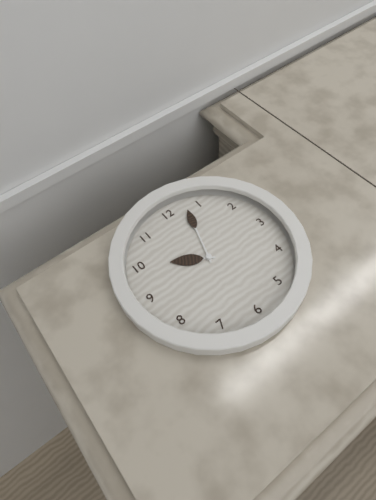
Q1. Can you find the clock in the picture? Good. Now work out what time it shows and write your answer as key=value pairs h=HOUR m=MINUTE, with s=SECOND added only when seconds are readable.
h=10 m=3
